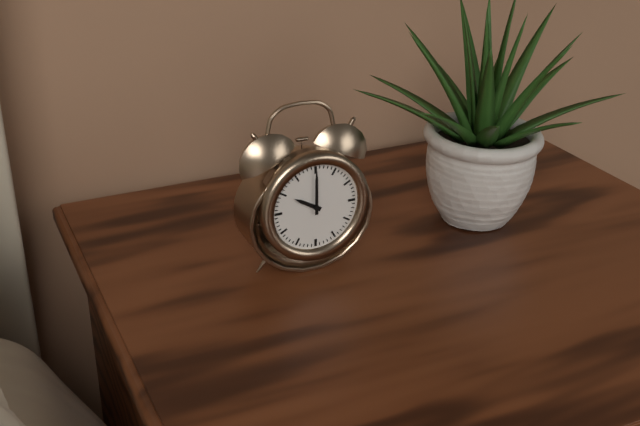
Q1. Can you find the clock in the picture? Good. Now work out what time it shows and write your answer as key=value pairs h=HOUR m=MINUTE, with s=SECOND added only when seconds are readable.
h=10 m=0
